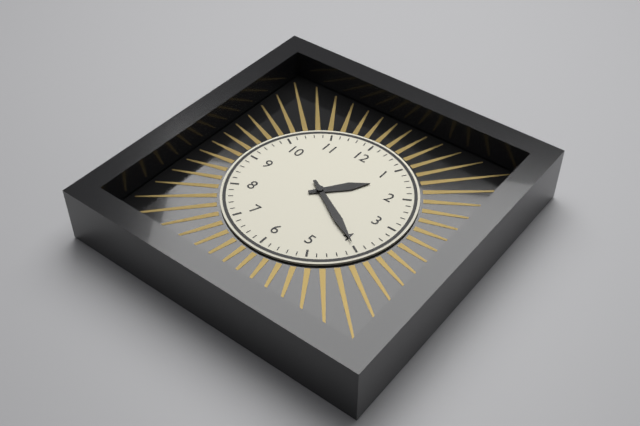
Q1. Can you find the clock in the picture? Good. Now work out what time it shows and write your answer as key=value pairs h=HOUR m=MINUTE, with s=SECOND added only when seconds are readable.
h=1 m=20
